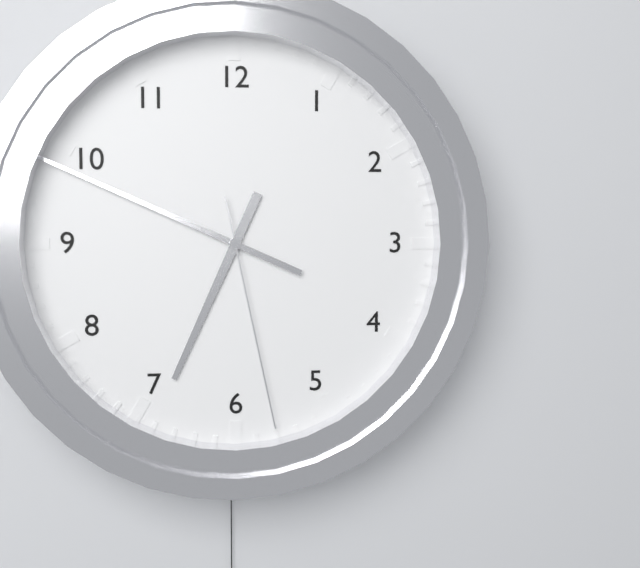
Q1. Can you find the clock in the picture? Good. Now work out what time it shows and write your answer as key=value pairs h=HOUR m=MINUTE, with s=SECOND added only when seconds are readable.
h=6 m=49 s=28
